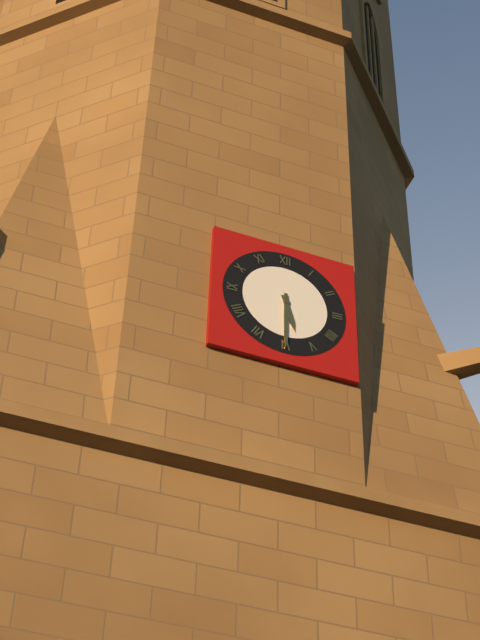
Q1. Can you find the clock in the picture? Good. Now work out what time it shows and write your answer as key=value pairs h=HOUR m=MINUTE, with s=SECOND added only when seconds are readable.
h=5 m=30
